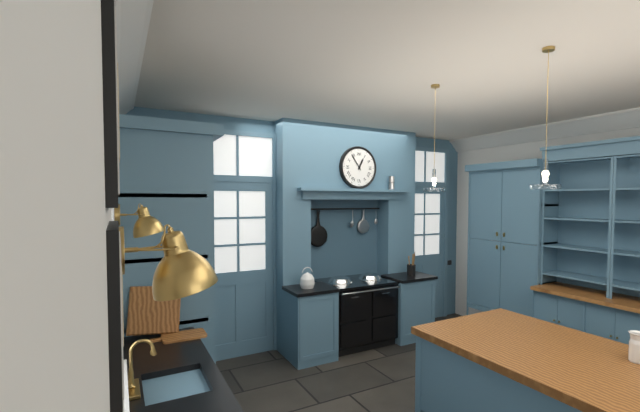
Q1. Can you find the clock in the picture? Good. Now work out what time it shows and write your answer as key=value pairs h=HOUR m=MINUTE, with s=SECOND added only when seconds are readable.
h=12 m=54
